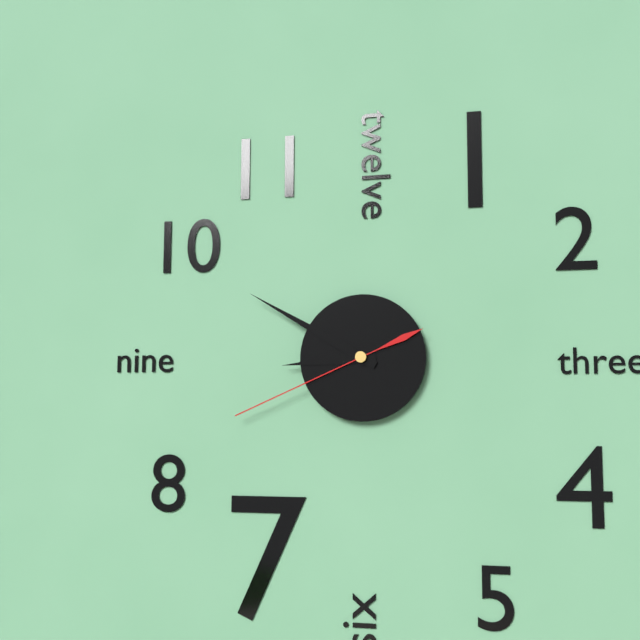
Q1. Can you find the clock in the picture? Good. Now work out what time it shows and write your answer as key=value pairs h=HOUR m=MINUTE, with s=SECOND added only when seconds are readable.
h=8 m=50 s=41
